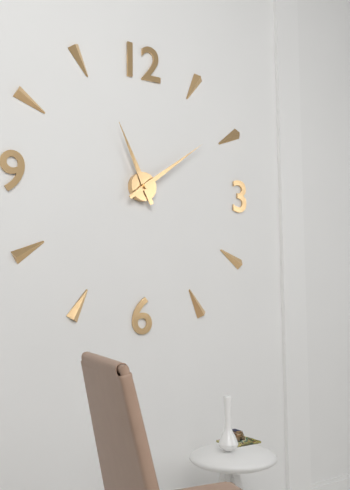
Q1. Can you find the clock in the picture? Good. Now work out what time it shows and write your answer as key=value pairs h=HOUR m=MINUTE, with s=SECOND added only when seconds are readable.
h=11 m=9
